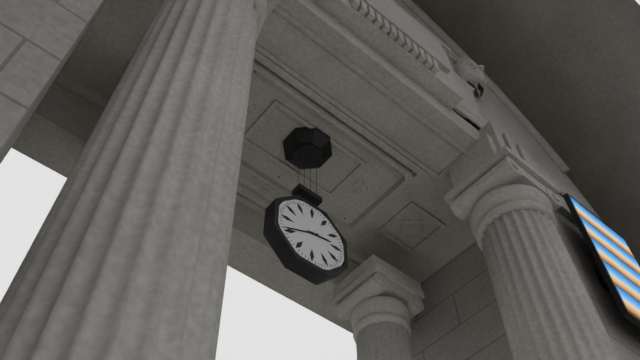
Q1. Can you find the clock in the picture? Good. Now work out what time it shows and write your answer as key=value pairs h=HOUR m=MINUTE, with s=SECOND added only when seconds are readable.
h=2 m=41
